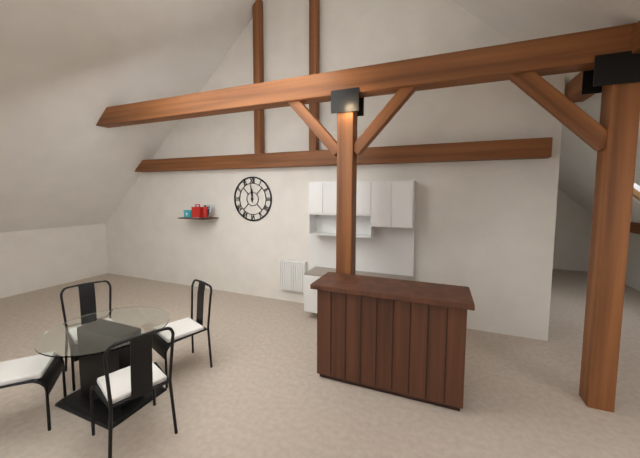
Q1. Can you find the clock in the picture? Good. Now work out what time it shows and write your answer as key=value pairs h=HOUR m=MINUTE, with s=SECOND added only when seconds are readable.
h=11 m=59
